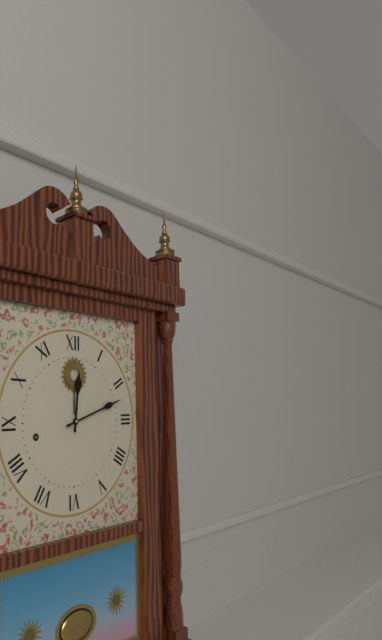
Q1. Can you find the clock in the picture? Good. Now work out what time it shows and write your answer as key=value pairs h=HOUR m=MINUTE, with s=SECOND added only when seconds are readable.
h=12 m=12
